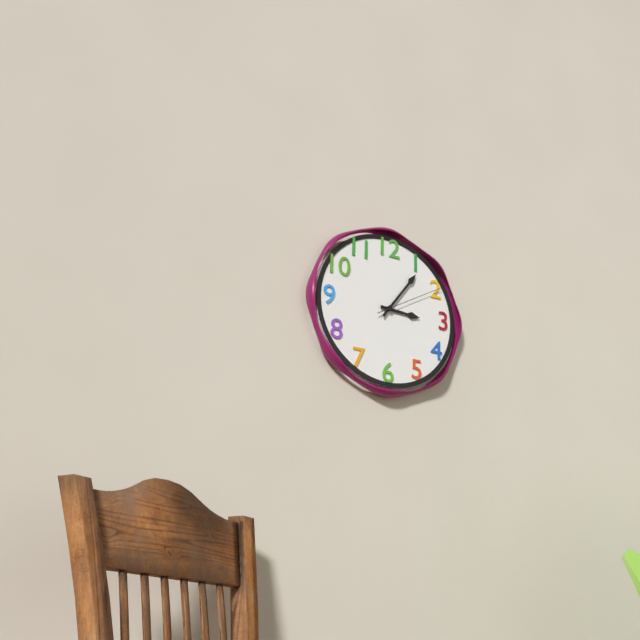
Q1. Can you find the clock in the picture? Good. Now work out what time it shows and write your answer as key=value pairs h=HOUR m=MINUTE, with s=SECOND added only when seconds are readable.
h=3 m=6 s=10
